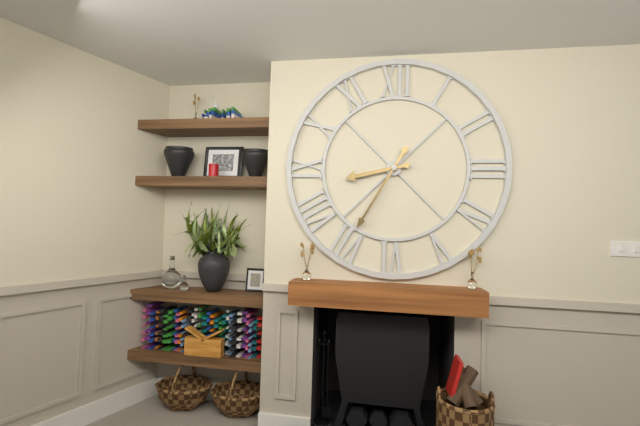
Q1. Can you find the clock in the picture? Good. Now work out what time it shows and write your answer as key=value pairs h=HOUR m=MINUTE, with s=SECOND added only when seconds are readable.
h=8 m=35
